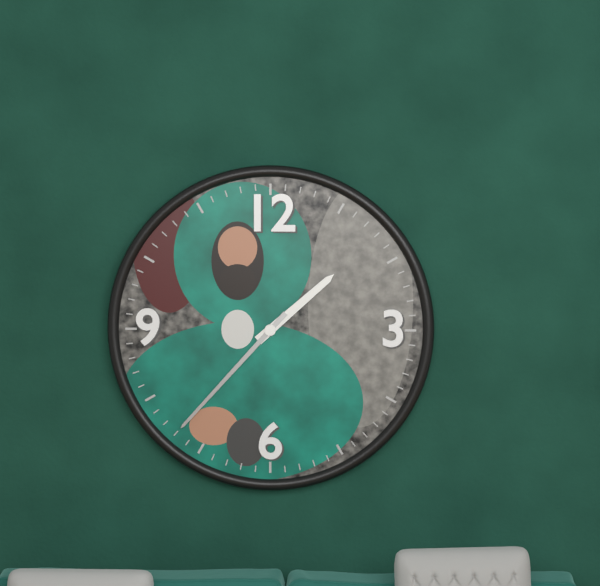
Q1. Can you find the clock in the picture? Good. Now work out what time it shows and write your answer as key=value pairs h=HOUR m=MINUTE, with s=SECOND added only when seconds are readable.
h=1 m=37
